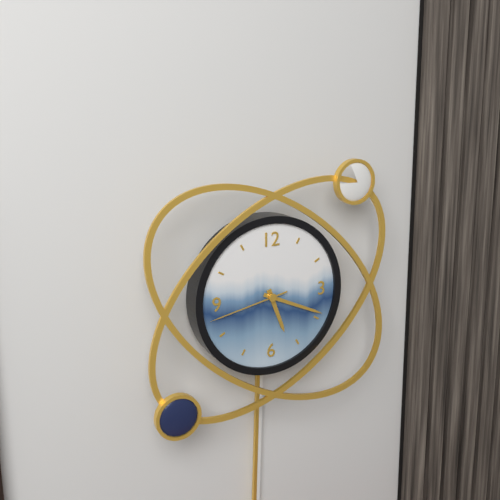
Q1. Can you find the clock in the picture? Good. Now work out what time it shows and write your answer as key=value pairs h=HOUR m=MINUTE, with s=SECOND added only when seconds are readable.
h=5 m=19 s=43
